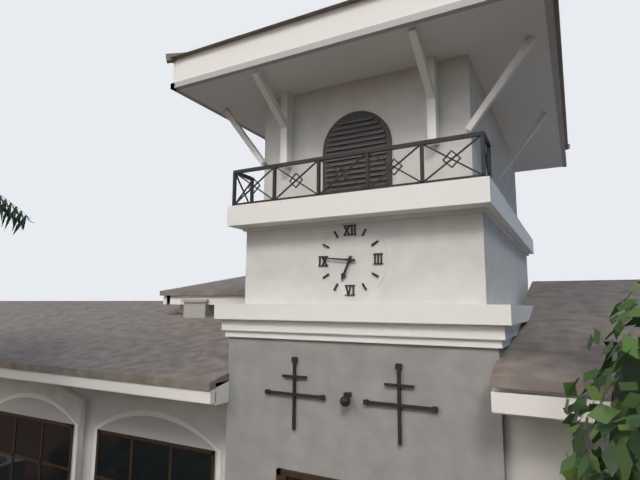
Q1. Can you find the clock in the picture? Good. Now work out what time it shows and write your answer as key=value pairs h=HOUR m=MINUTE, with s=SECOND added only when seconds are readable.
h=6 m=46
